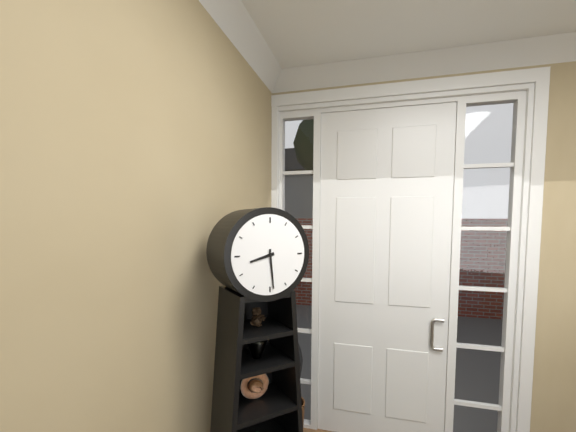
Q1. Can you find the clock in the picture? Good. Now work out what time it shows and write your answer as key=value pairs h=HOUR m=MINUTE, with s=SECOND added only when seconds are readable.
h=8 m=29
